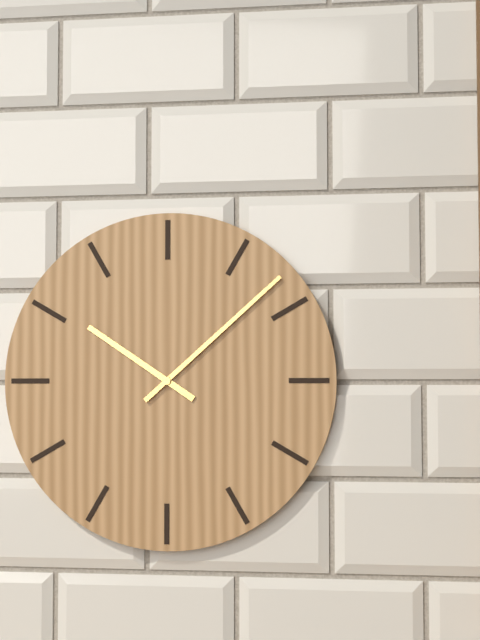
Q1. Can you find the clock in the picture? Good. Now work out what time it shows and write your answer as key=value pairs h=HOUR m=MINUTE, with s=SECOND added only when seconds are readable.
h=10 m=8
